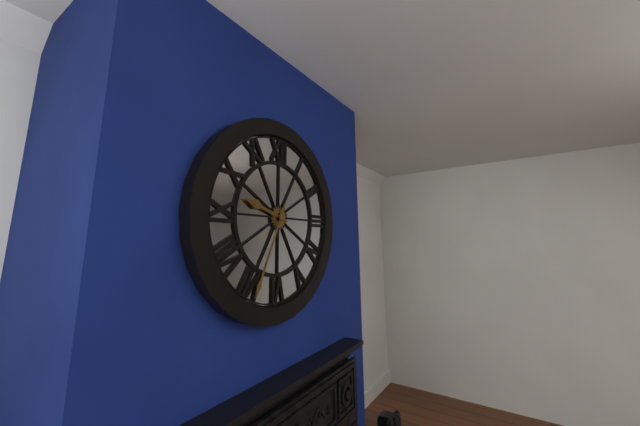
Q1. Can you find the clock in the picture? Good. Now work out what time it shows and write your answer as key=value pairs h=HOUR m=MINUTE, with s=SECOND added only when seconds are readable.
h=9 m=34
